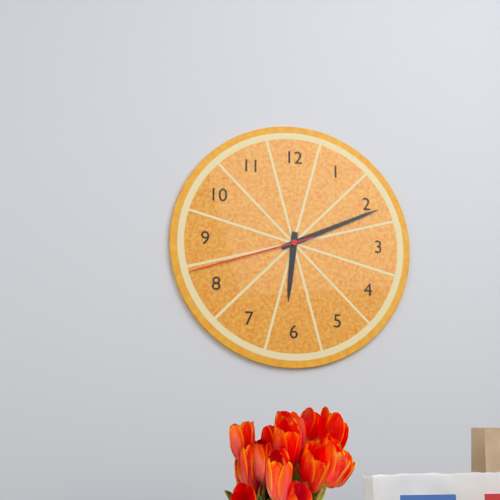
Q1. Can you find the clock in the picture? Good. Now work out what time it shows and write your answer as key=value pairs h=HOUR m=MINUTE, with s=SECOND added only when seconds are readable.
h=6 m=11 s=42
